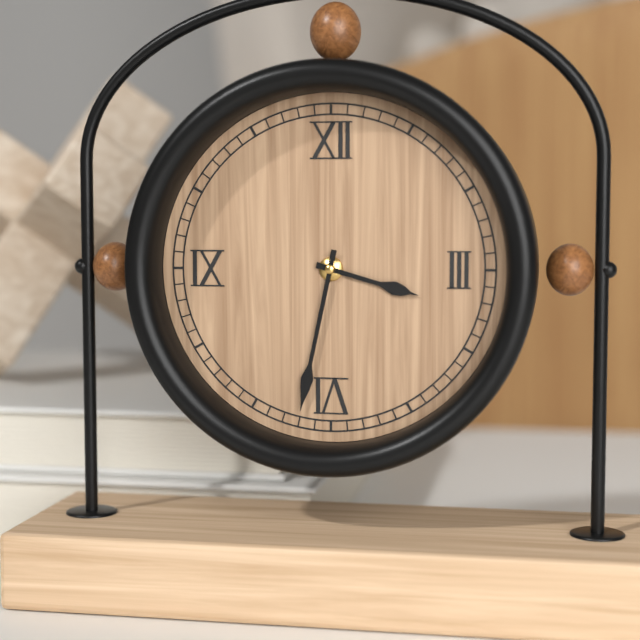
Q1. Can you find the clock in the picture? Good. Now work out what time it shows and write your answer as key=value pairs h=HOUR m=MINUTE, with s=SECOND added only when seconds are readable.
h=3 m=32
